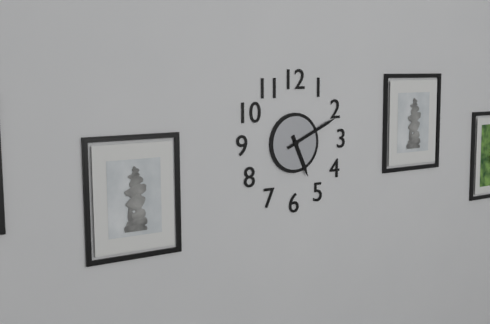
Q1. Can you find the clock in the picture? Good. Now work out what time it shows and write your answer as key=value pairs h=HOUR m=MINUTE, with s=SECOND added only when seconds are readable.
h=5 m=11
